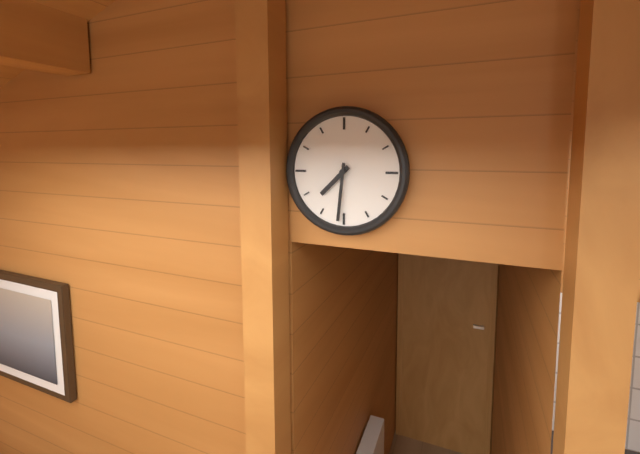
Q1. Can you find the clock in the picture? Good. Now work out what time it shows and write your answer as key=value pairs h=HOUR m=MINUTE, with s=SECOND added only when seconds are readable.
h=7 m=31
